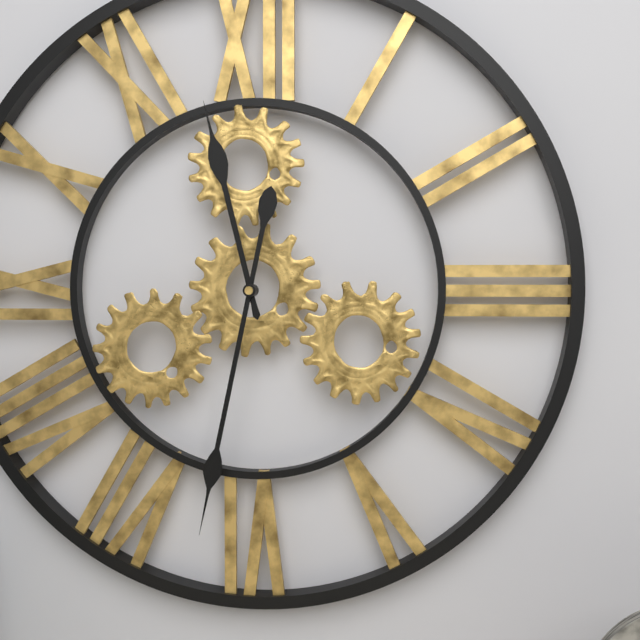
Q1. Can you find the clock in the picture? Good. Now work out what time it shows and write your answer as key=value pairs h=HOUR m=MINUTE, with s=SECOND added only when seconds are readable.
h=11 m=32
